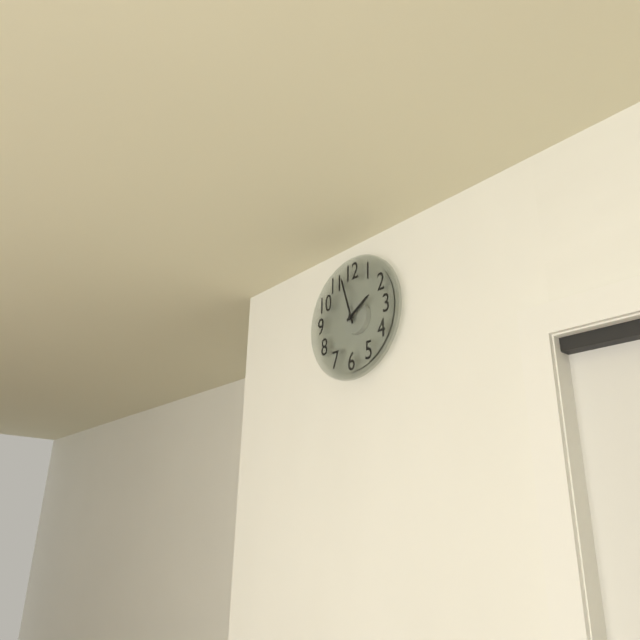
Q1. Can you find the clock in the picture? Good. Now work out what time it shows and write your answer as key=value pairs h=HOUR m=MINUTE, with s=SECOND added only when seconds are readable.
h=1 m=57
